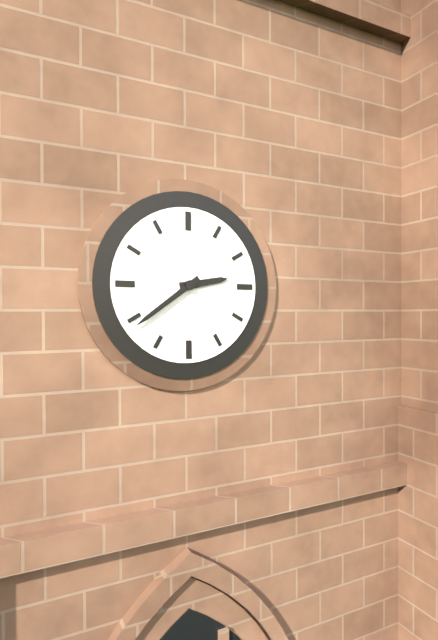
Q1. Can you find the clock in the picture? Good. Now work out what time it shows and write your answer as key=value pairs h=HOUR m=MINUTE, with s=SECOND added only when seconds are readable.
h=2 m=39
